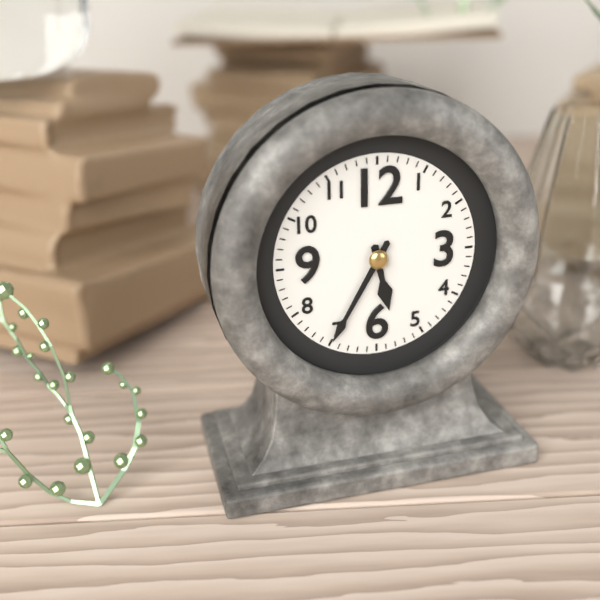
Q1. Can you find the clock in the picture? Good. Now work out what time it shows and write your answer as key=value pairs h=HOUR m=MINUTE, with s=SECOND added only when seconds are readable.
h=5 m=35
